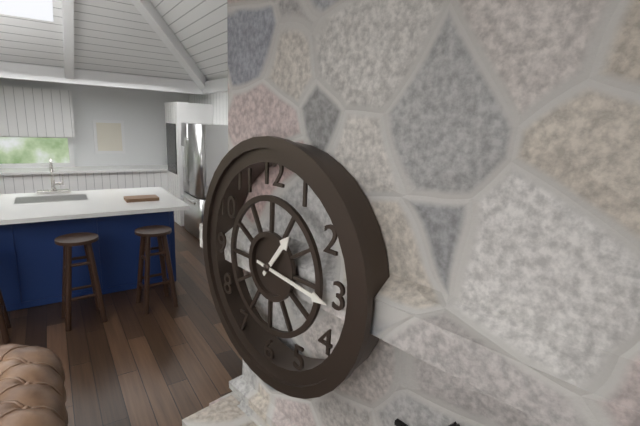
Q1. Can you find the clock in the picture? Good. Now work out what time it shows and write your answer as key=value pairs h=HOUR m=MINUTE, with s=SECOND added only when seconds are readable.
h=1 m=16
